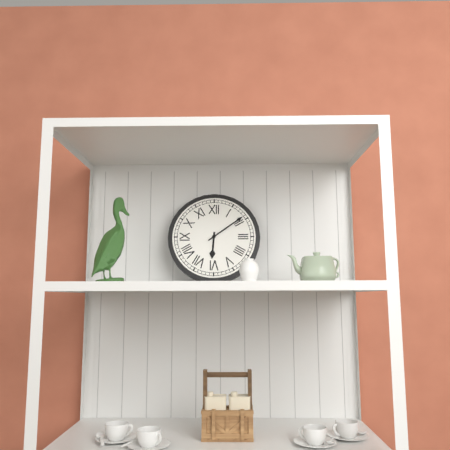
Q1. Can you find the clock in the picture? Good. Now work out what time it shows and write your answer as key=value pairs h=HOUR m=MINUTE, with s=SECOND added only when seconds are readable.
h=6 m=9
